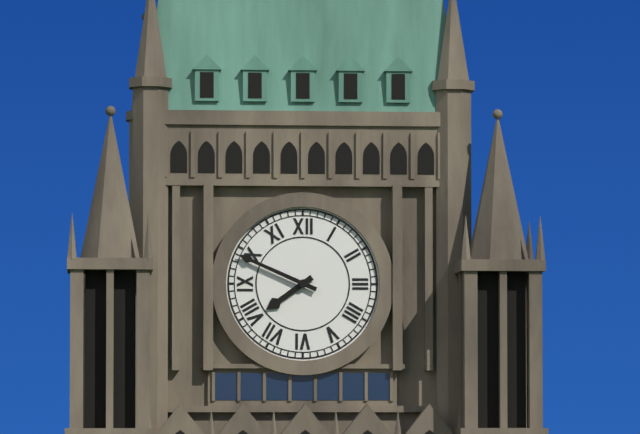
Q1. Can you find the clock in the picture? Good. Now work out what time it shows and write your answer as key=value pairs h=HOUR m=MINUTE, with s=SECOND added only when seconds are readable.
h=7 m=49
